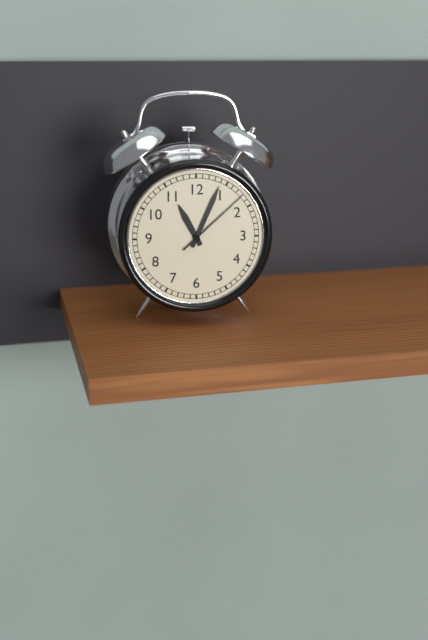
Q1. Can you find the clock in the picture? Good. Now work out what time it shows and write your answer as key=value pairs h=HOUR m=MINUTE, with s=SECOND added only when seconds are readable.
h=11 m=4 s=8
